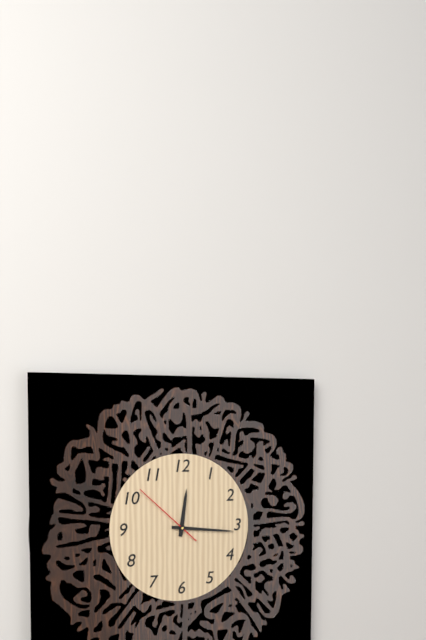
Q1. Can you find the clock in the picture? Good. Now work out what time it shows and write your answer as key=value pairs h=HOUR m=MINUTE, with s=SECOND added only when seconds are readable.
h=12 m=16 s=52
